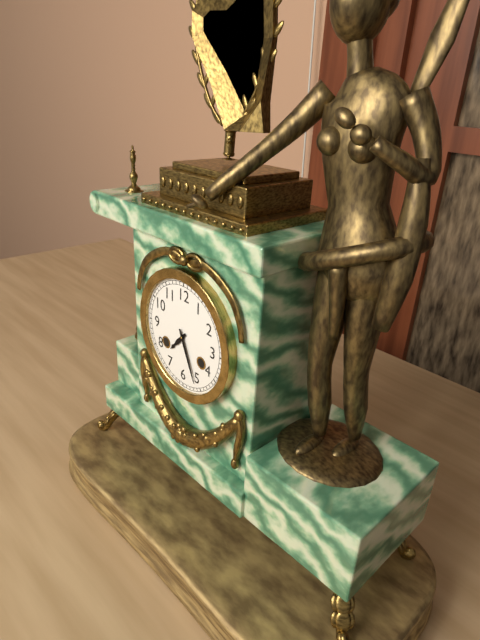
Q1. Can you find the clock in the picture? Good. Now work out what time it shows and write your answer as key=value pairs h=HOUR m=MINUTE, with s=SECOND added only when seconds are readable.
h=7 m=26
